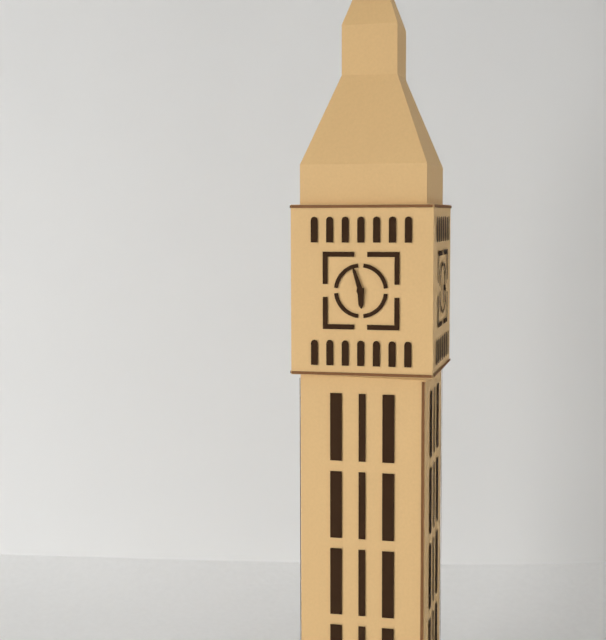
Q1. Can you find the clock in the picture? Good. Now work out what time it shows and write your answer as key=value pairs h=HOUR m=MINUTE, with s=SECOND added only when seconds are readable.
h=5 m=57
